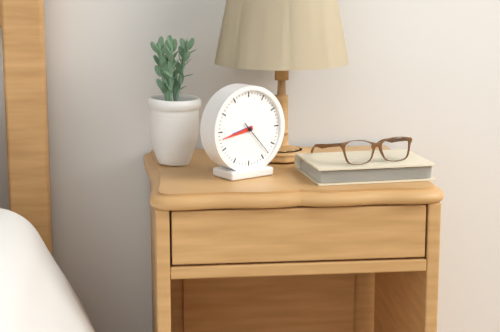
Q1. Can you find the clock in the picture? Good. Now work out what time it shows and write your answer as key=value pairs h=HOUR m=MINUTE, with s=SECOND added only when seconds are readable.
h=8 m=43
